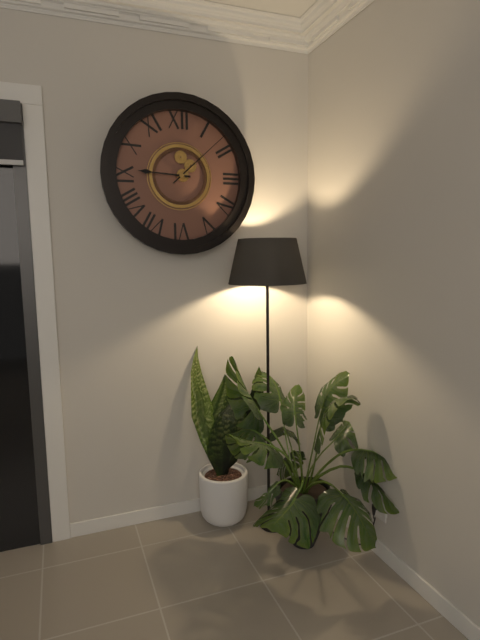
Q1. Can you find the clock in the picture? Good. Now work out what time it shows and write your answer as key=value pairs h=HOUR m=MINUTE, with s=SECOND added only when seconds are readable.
h=9 m=8
